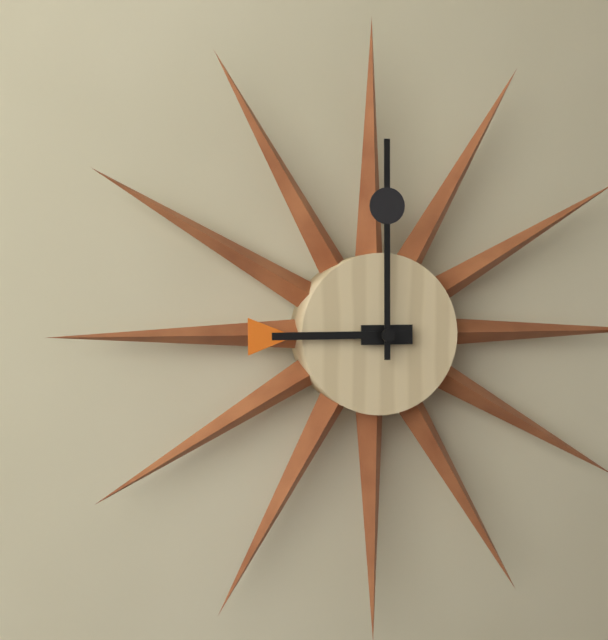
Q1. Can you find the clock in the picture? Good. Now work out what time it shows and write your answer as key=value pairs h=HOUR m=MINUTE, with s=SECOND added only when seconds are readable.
h=9 m=0
